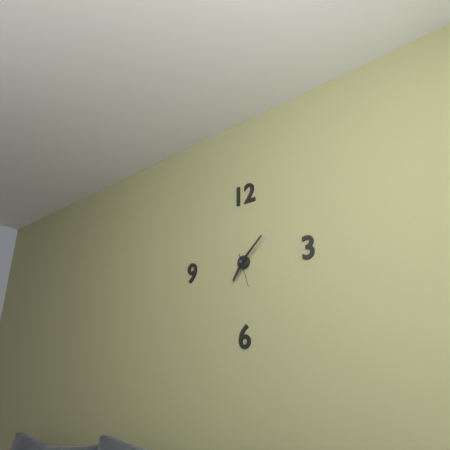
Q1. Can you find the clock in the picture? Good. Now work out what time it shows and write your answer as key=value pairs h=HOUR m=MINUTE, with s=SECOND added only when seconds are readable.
h=7 m=8
